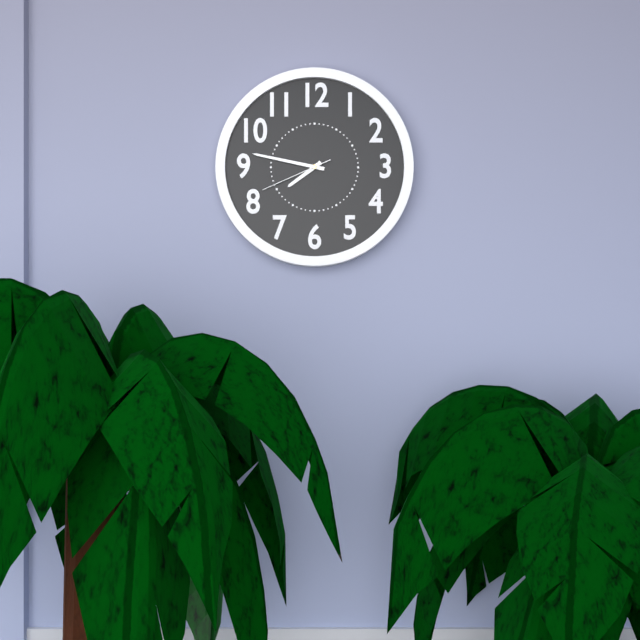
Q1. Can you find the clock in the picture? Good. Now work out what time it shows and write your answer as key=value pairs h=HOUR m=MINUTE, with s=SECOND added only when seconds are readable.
h=7 m=47 s=41
